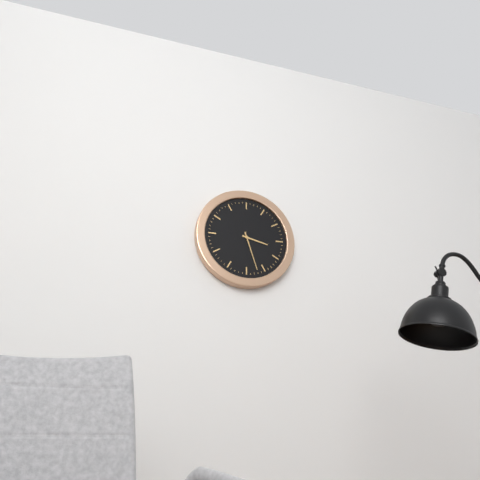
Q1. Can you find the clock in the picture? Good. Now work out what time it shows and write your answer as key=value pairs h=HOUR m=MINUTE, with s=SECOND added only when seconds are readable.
h=3 m=27
